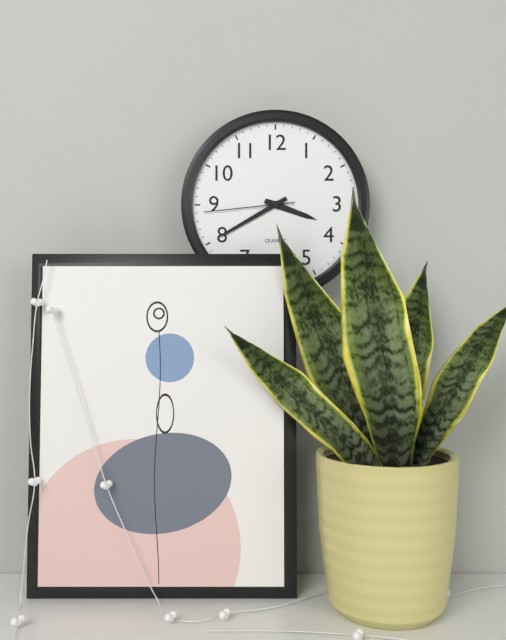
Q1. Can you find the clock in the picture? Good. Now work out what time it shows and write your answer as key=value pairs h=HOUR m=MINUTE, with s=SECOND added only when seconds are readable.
h=3 m=40 s=44
